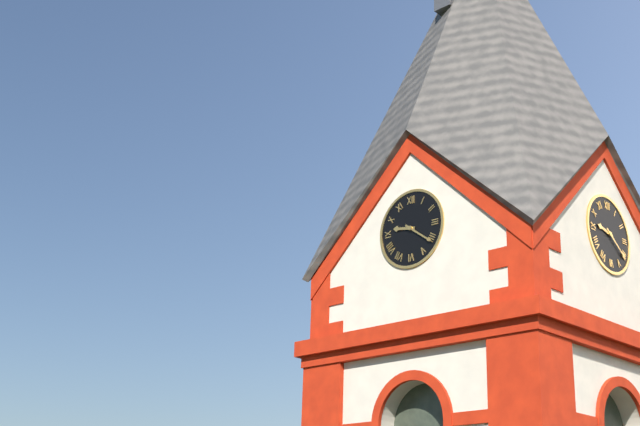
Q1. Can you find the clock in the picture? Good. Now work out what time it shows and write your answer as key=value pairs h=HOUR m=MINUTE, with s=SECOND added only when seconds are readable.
h=9 m=21
